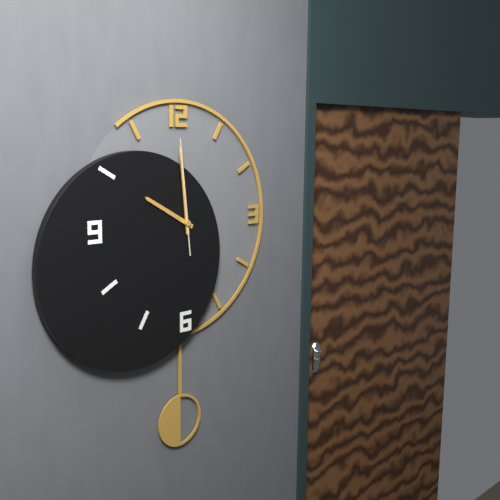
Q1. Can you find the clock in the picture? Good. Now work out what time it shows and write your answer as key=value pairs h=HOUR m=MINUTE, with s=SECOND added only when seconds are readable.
h=9 m=59 s=59
